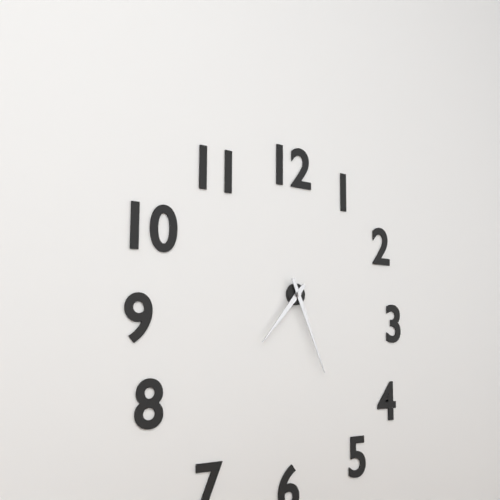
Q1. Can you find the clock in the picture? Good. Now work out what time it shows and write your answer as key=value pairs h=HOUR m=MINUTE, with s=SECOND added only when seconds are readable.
h=7 m=26
